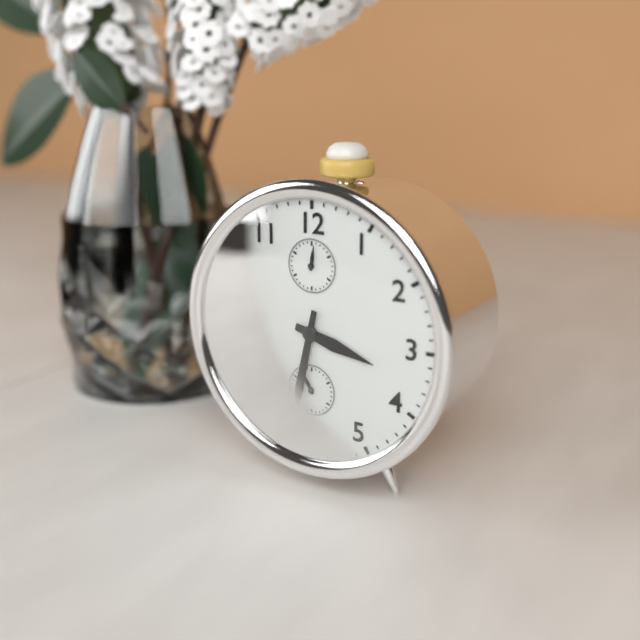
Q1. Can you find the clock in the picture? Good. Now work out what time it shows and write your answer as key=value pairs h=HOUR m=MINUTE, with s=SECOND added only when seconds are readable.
h=3 m=32
